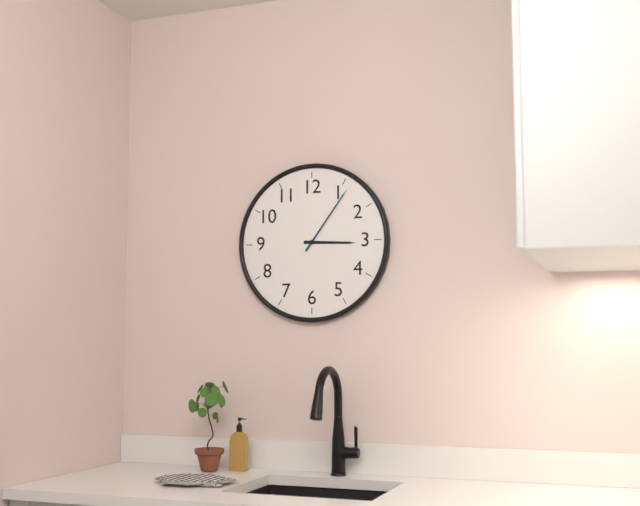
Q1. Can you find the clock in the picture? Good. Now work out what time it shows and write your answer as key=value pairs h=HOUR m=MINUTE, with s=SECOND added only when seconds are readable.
h=3 m=6
